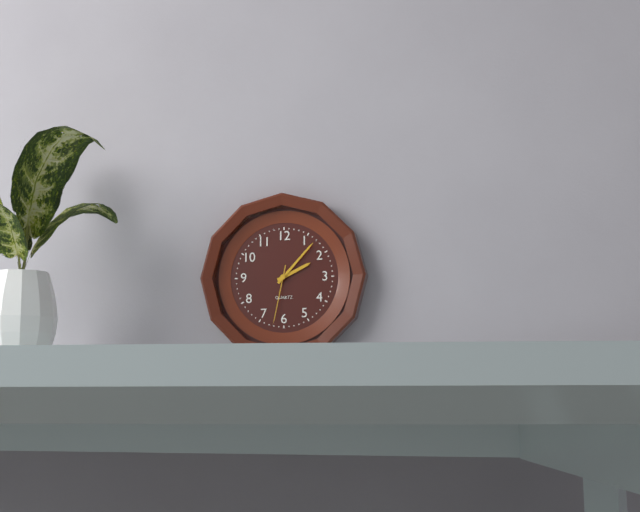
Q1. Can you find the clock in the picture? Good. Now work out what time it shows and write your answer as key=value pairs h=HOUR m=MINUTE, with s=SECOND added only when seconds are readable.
h=2 m=7 s=32
